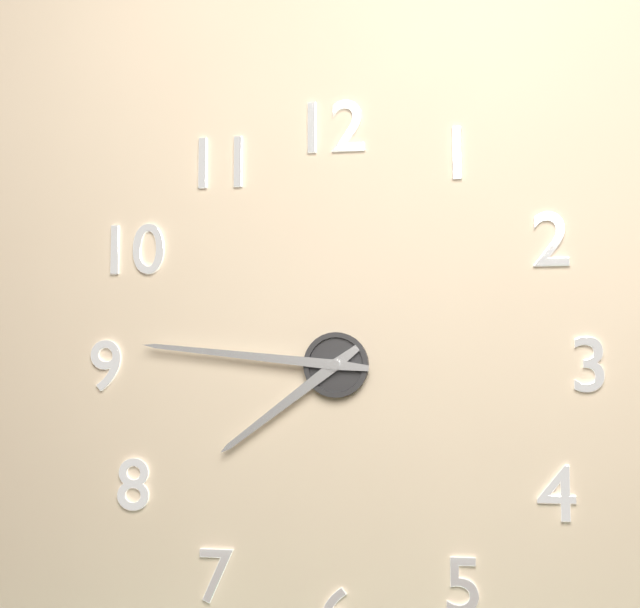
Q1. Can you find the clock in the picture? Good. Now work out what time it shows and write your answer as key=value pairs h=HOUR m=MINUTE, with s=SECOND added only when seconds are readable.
h=7 m=46
